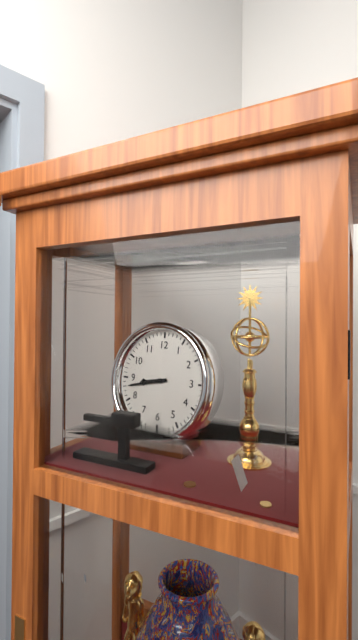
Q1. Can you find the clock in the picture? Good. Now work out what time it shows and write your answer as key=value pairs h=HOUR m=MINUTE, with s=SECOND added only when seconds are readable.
h=8 m=43
